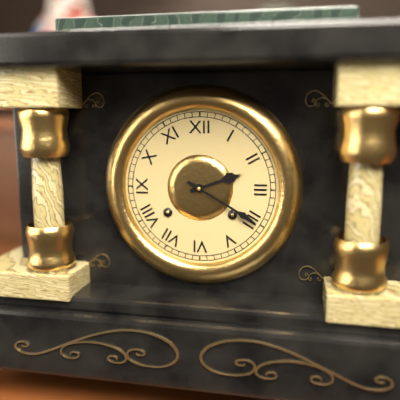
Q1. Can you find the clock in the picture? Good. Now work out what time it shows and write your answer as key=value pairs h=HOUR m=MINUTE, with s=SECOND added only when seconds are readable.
h=2 m=20
